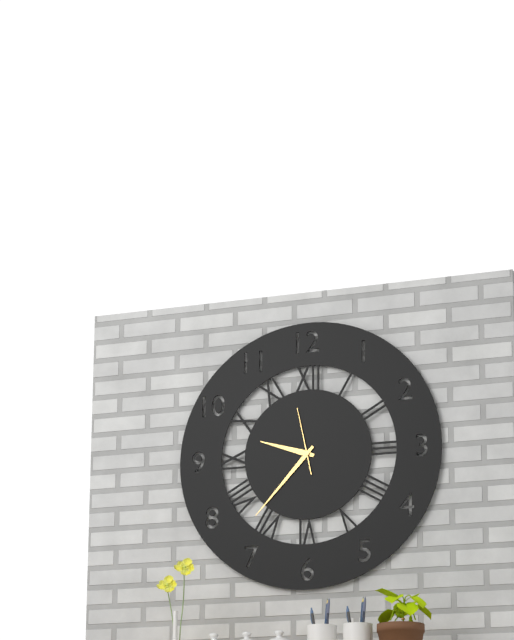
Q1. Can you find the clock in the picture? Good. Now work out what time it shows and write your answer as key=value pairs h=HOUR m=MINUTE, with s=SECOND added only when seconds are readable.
h=9 m=37 s=58
